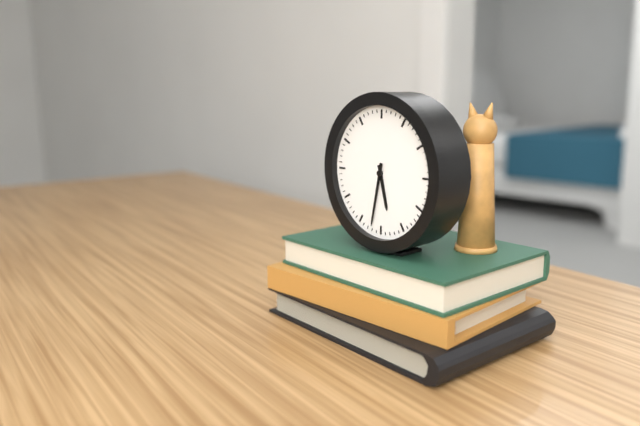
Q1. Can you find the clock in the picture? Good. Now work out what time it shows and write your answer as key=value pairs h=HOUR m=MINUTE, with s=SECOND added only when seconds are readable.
h=5 m=32
